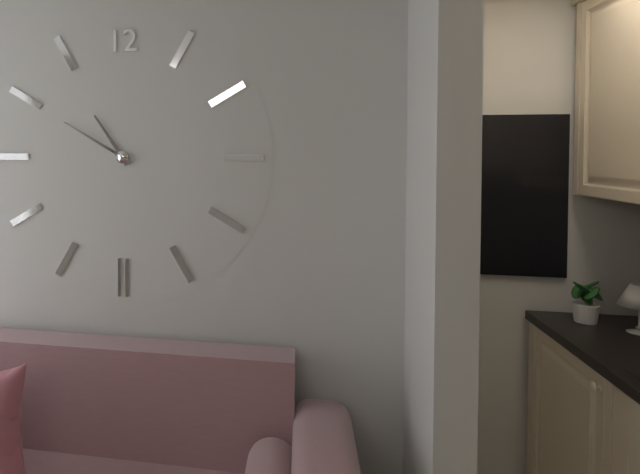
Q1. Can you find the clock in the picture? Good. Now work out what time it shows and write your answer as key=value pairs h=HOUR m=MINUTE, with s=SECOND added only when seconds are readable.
h=10 m=50
